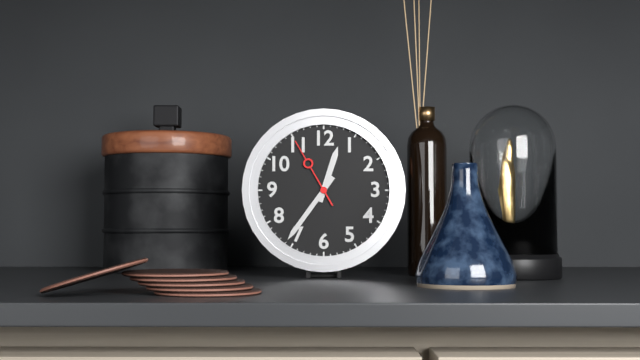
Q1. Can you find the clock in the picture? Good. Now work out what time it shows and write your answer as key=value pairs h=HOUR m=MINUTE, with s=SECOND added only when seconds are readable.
h=12 m=36 s=55
